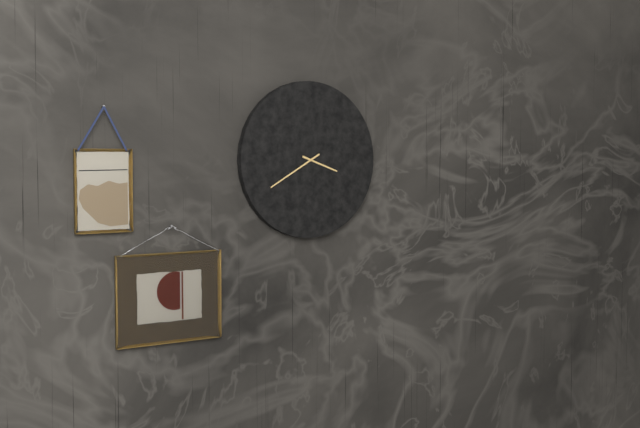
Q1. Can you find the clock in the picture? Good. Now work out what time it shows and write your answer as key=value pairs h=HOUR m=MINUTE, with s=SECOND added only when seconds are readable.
h=3 m=40
